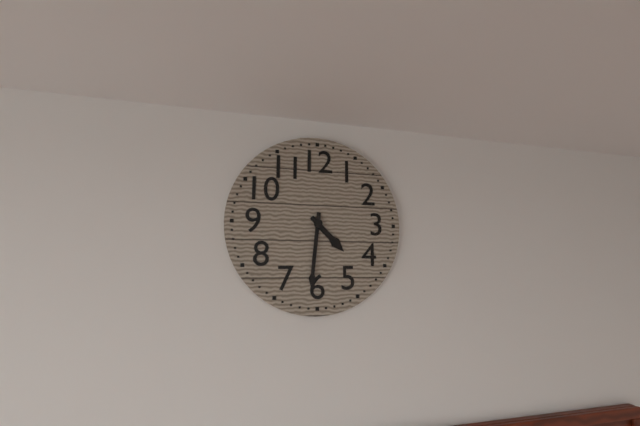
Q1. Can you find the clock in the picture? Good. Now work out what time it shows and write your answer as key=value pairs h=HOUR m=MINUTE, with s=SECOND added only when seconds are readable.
h=4 m=31
